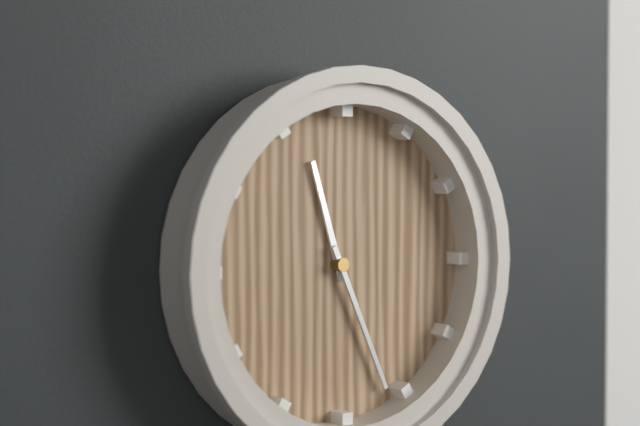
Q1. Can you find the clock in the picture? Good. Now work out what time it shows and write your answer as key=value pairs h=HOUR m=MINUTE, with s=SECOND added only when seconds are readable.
h=11 m=26
